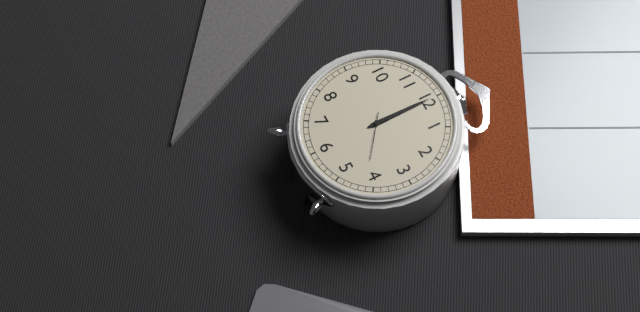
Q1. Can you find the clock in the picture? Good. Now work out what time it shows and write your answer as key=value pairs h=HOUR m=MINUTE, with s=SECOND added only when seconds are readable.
h=12 m=0
